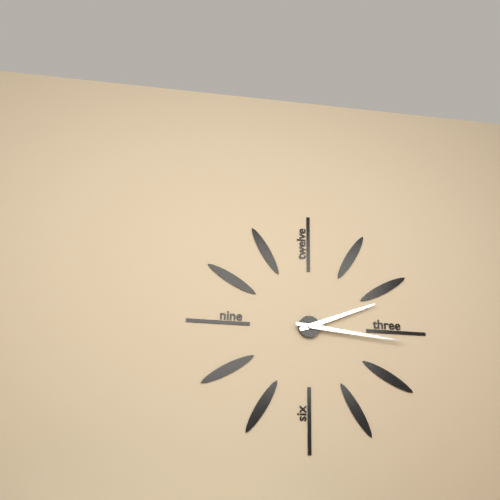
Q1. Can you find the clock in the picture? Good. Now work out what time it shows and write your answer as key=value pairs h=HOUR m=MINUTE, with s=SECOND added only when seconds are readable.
h=2 m=16
